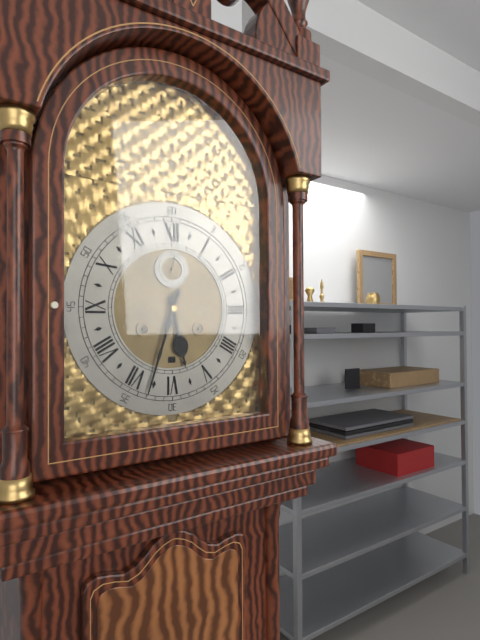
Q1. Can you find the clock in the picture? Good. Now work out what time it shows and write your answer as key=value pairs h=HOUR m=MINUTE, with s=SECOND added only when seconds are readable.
h=5 m=33
